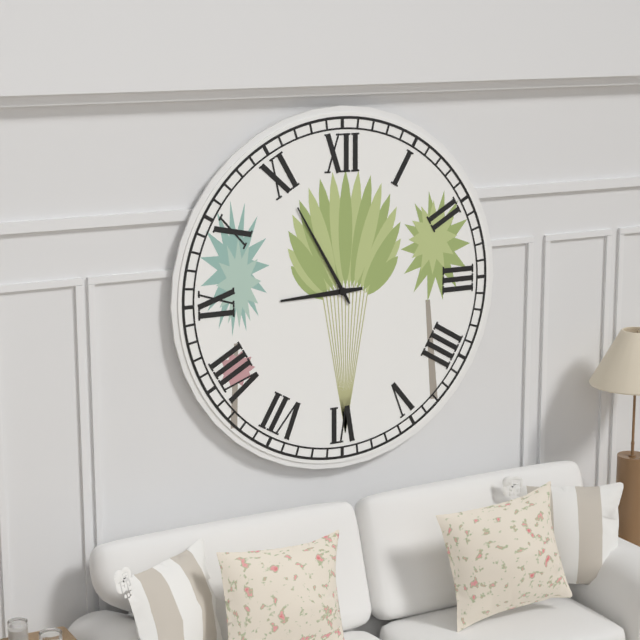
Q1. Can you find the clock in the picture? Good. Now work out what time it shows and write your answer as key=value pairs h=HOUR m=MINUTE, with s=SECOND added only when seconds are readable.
h=8 m=55
